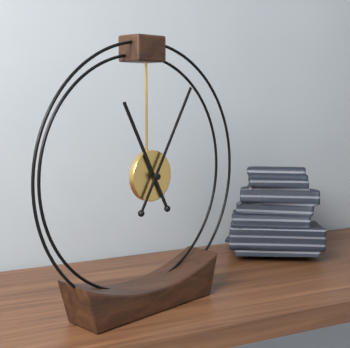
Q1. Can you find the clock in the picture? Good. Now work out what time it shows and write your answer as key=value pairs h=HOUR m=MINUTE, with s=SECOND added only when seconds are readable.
h=11 m=5
